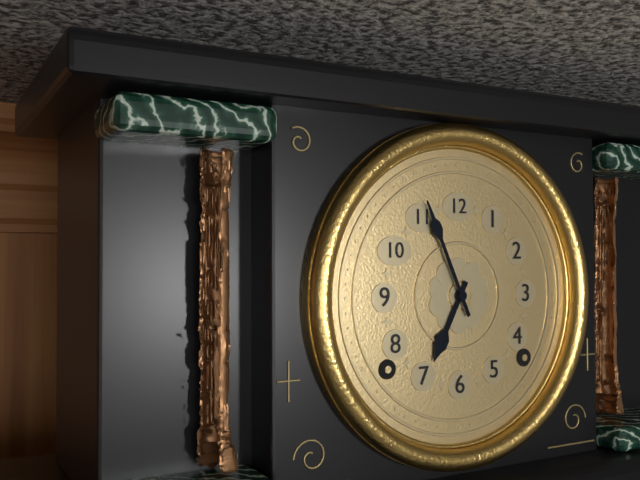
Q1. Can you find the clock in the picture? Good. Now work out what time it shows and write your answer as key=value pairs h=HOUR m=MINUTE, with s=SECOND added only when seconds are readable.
h=6 m=56
